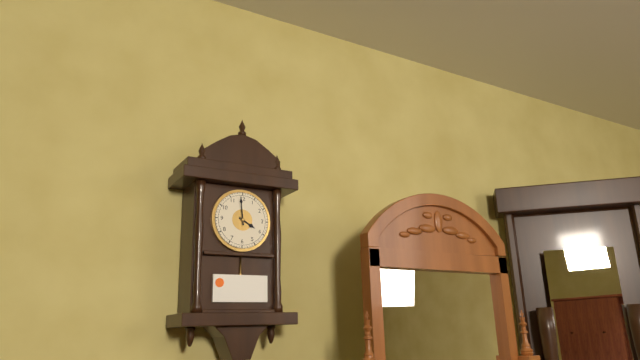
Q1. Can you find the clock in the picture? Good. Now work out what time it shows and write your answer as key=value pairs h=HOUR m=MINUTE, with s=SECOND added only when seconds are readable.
h=3 m=59
